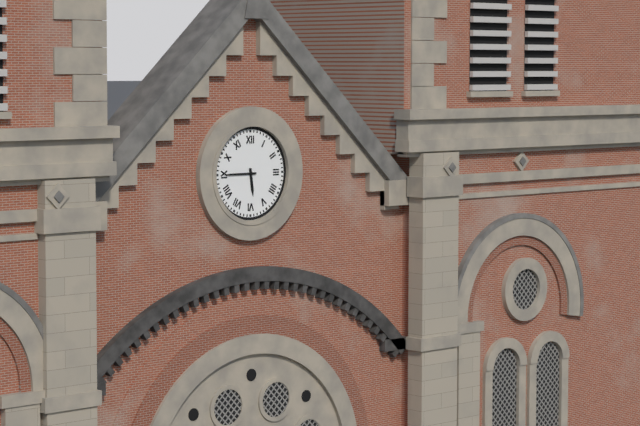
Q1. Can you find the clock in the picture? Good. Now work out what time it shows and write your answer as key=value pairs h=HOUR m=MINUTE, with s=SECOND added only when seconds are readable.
h=5 m=45
